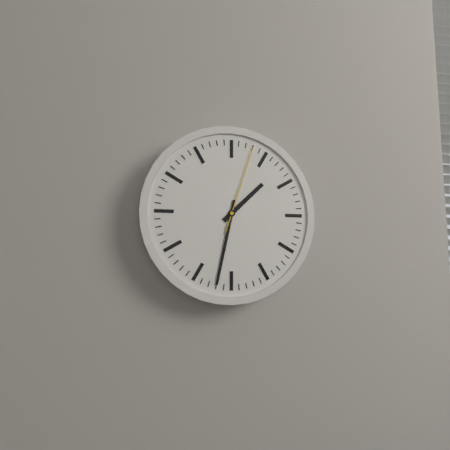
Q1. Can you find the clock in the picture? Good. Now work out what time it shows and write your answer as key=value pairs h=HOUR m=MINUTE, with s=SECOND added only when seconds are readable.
h=1 m=32 s=3
